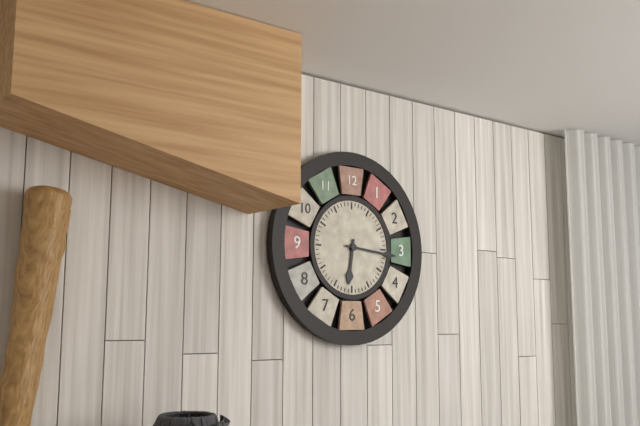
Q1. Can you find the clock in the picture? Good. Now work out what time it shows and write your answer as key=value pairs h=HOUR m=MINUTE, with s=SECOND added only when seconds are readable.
h=6 m=16
